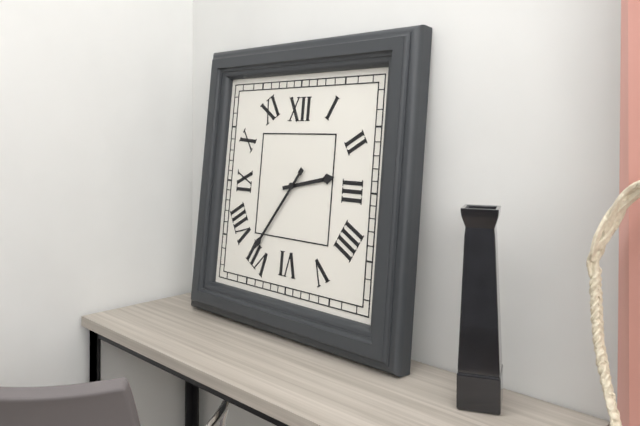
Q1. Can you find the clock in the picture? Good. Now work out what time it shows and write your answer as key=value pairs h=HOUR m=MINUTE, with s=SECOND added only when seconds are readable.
h=2 m=36
